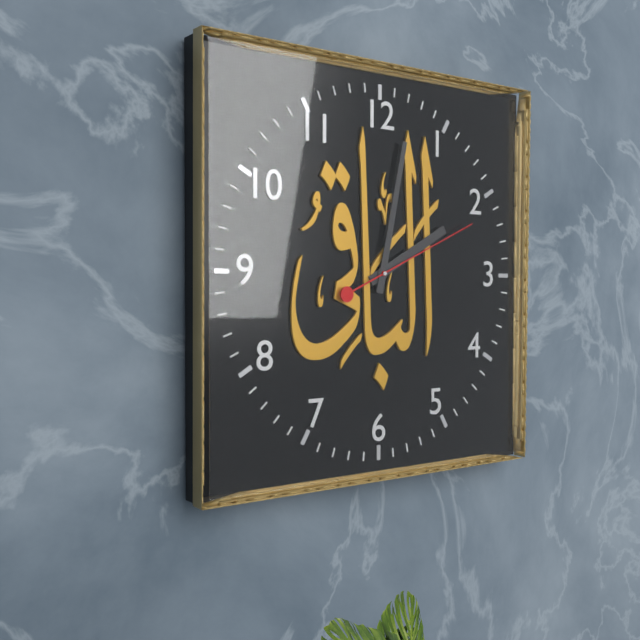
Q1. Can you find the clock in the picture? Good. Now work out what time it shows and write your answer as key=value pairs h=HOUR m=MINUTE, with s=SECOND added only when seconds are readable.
h=2 m=2 s=11
